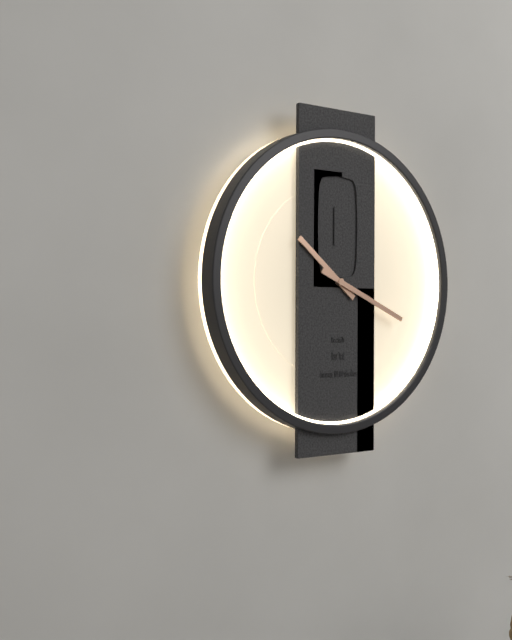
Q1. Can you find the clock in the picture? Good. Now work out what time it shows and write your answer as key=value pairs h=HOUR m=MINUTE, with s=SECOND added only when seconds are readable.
h=10 m=19
